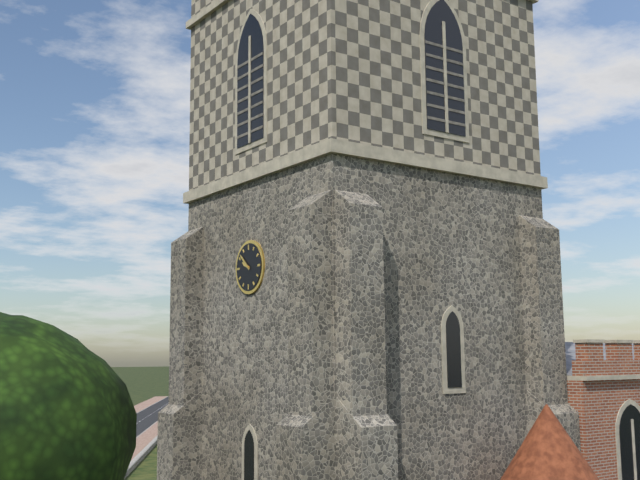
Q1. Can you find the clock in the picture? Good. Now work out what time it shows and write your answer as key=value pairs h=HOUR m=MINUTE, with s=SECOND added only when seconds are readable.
h=9 m=52
